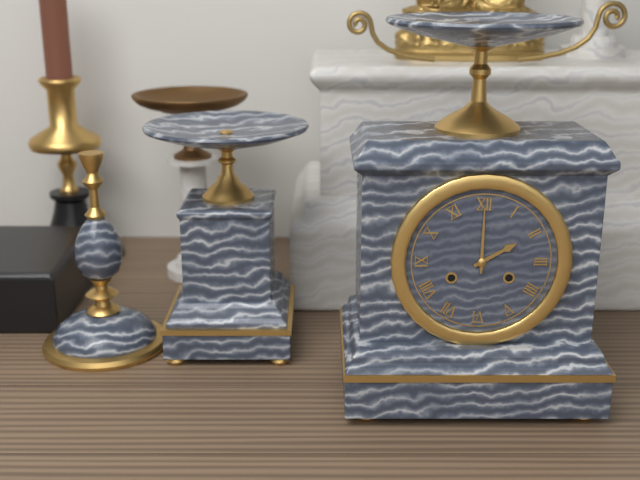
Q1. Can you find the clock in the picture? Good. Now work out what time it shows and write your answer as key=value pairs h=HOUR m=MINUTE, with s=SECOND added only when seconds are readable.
h=2 m=0
